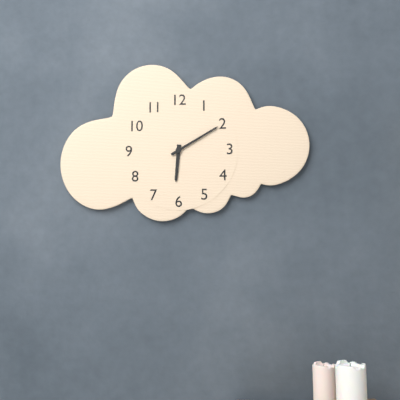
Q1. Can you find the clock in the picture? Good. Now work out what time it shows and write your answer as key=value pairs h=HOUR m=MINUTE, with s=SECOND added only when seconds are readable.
h=6 m=10
